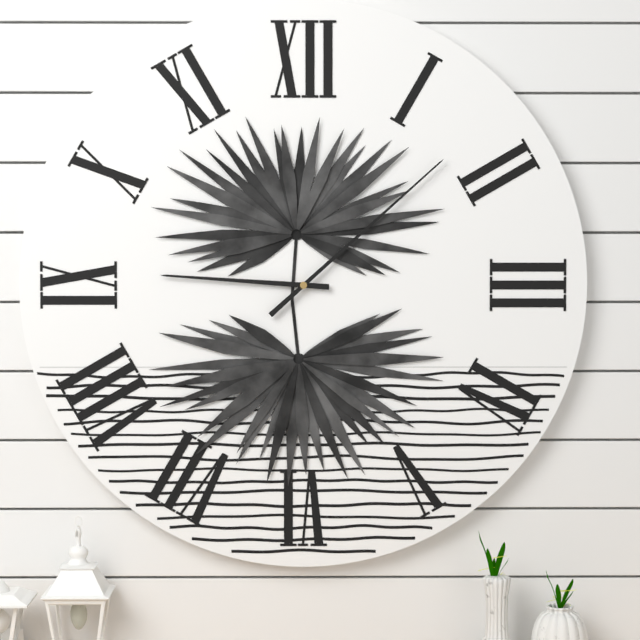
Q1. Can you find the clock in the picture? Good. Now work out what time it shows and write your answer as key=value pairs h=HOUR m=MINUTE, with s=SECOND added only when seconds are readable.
h=9 m=8
